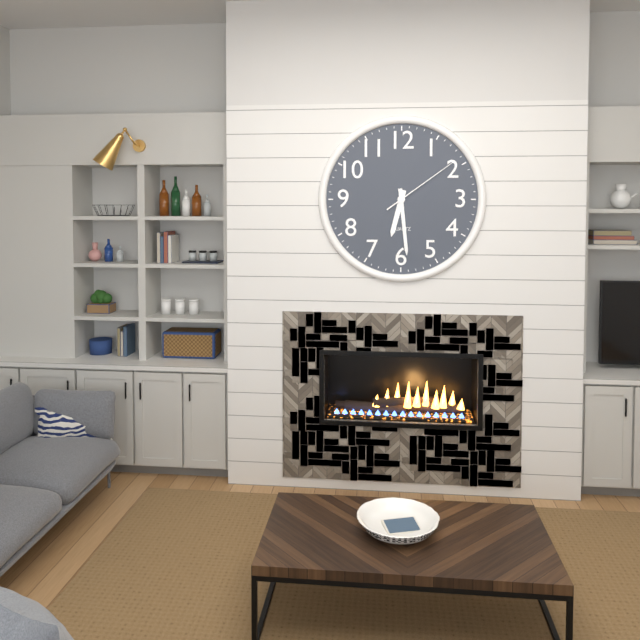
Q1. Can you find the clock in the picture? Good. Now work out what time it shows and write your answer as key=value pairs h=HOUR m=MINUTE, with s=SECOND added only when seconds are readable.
h=6 m=29 s=9
